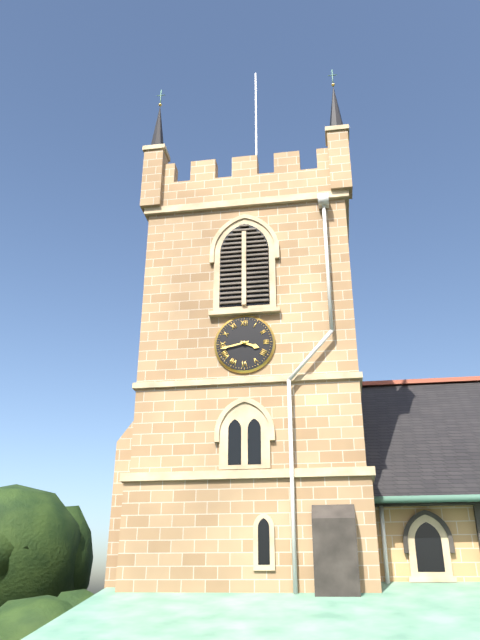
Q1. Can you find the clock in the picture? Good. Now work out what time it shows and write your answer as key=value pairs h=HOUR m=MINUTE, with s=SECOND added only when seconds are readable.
h=3 m=43
